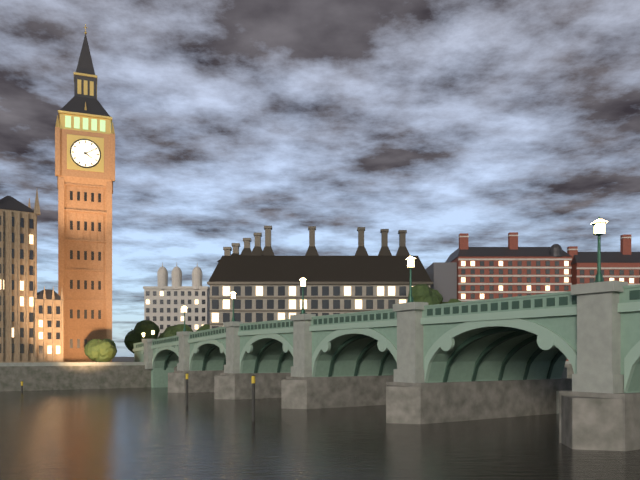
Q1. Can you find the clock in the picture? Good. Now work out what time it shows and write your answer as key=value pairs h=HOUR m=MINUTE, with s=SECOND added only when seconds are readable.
h=4 m=10
